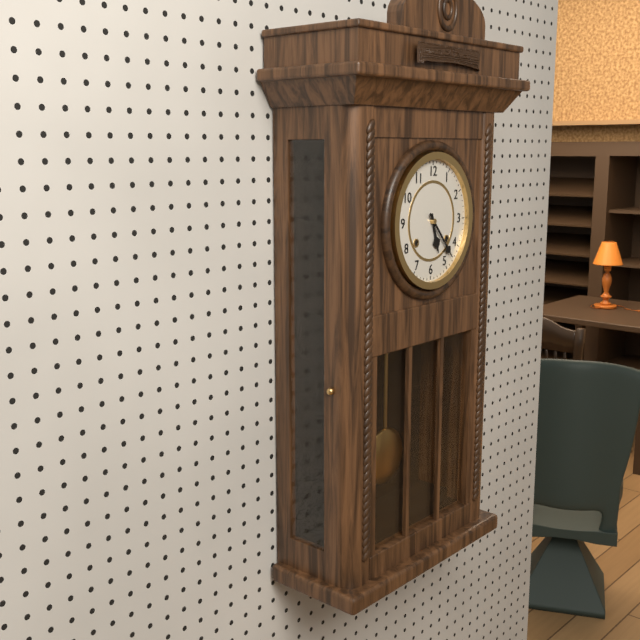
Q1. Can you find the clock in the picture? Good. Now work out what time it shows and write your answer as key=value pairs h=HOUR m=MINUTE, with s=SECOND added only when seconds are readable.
h=5 m=23
